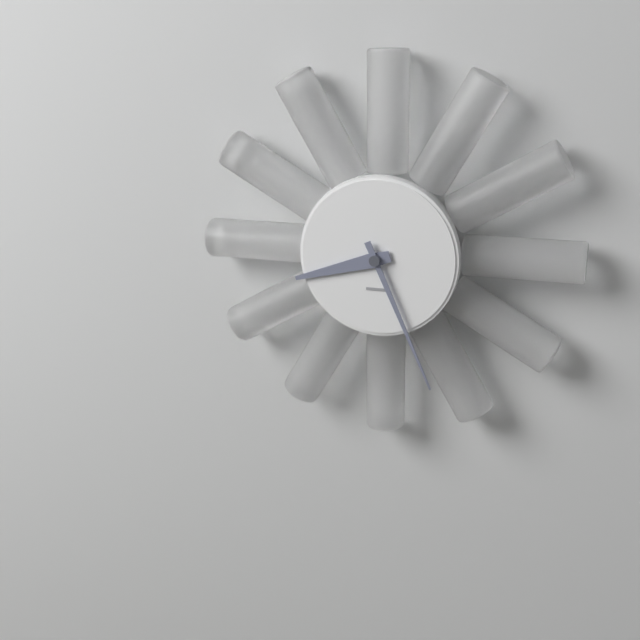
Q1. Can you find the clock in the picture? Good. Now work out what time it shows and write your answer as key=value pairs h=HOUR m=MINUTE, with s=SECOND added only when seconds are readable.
h=8 m=26
